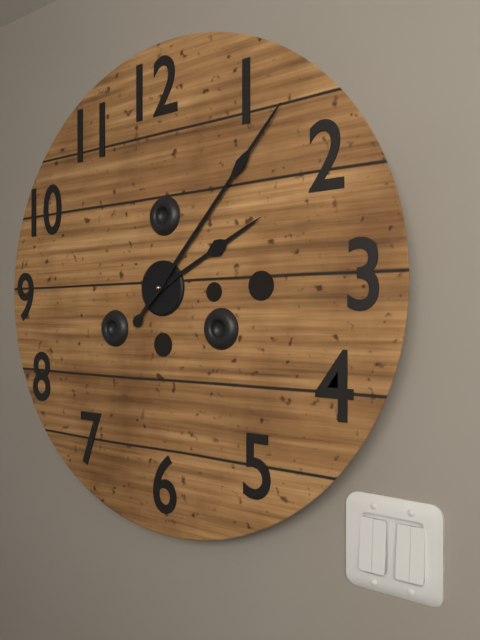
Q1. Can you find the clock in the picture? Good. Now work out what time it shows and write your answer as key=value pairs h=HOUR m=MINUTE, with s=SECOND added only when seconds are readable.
h=2 m=7
